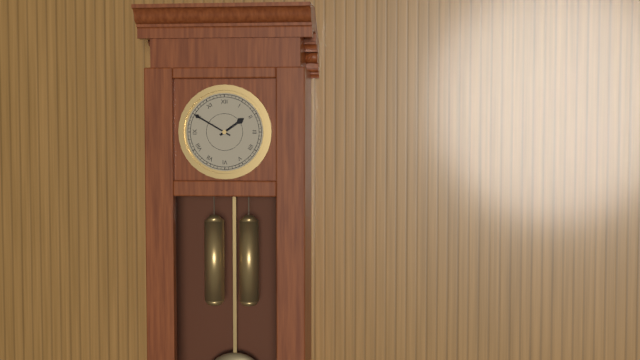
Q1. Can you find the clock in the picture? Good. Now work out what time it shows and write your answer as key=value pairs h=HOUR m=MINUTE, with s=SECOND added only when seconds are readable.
h=1 m=50
